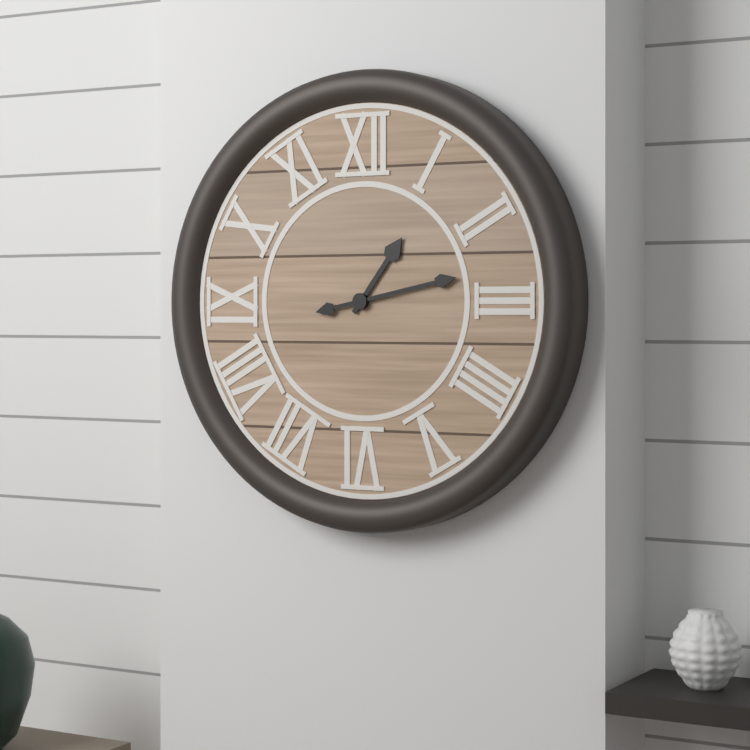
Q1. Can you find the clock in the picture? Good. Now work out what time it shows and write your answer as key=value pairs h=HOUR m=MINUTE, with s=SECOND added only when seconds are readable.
h=1 m=13
